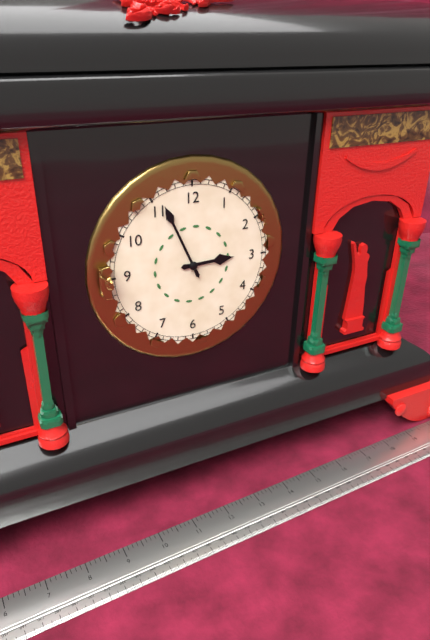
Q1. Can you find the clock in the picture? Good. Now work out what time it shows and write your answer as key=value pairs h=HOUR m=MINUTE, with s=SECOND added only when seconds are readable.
h=2 m=56
